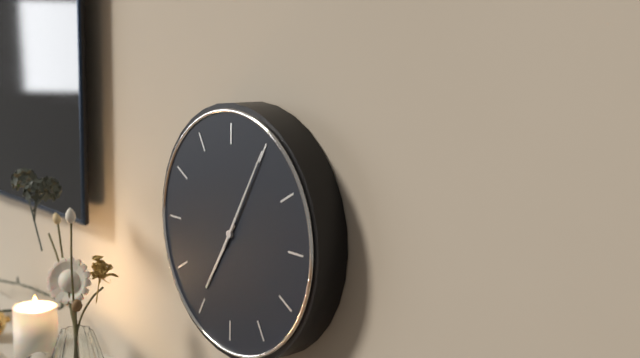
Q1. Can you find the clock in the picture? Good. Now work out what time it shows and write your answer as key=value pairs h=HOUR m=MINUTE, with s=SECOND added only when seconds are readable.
h=7 m=5
